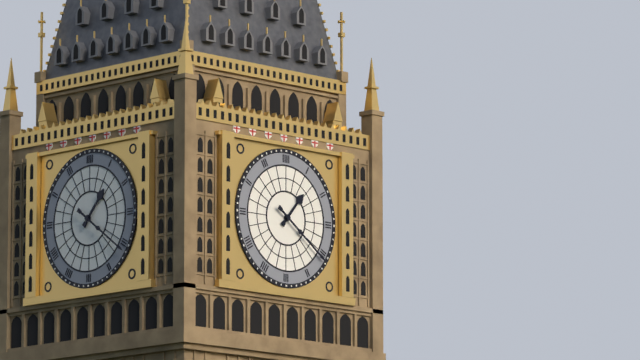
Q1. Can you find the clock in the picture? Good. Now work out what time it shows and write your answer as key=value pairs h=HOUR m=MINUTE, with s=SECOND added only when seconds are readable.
h=1 m=21
